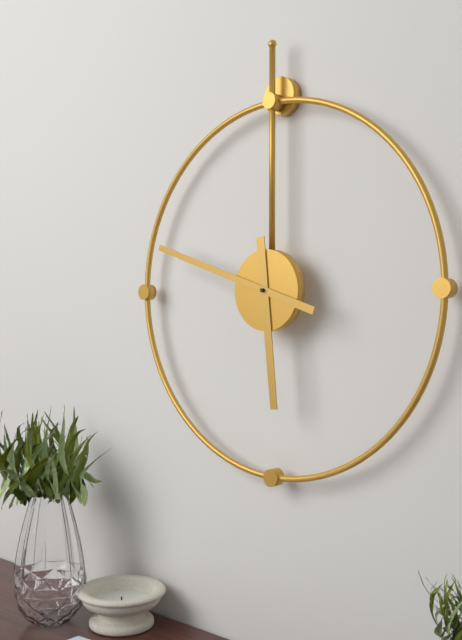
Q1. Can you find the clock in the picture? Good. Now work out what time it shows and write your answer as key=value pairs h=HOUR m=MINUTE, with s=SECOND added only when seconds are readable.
h=5 m=48
